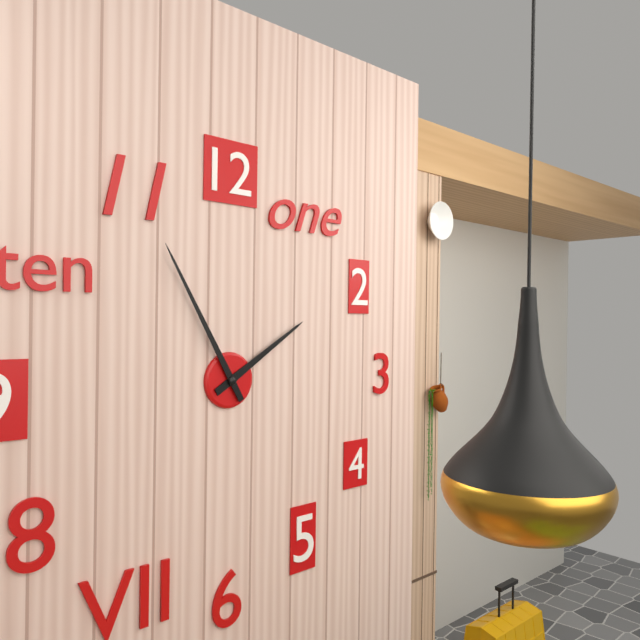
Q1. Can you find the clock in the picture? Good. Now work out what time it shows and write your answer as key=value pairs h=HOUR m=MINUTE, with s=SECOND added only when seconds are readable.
h=1 m=55
